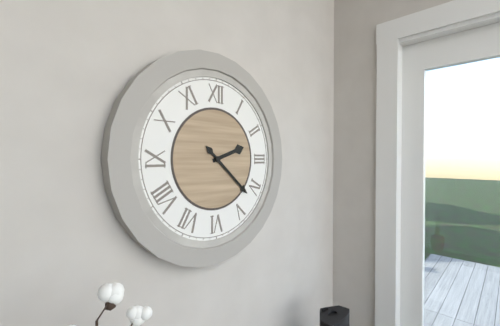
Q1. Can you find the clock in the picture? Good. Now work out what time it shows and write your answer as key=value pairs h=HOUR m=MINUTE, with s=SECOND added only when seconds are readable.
h=2 m=22
